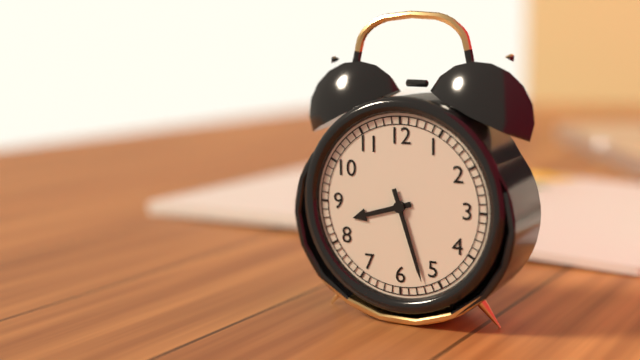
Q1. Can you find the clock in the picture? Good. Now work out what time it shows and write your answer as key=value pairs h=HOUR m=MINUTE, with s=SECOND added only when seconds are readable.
h=8 m=27
